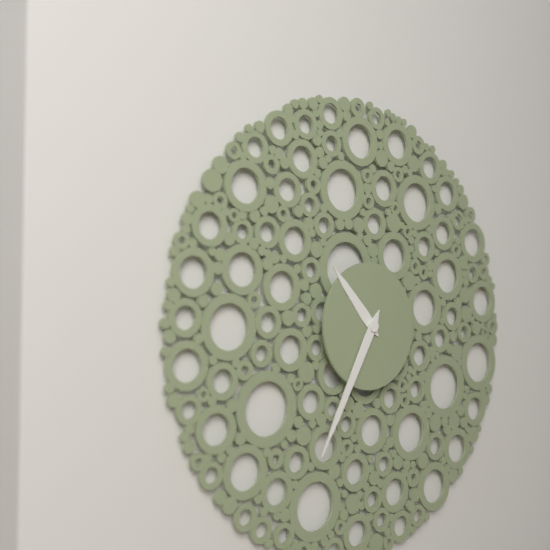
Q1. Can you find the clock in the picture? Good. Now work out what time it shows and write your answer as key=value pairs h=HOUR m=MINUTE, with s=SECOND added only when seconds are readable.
h=10 m=35
